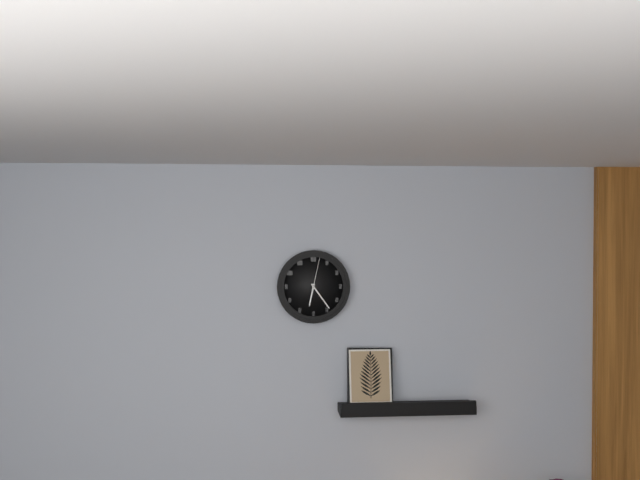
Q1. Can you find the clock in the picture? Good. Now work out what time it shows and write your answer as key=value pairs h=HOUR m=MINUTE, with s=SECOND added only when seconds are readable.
h=6 m=24
